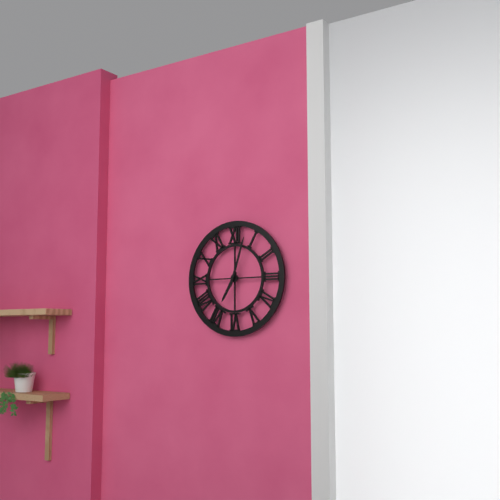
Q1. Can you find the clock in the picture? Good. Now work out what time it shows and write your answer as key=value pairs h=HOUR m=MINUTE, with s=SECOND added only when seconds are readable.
h=7 m=3
